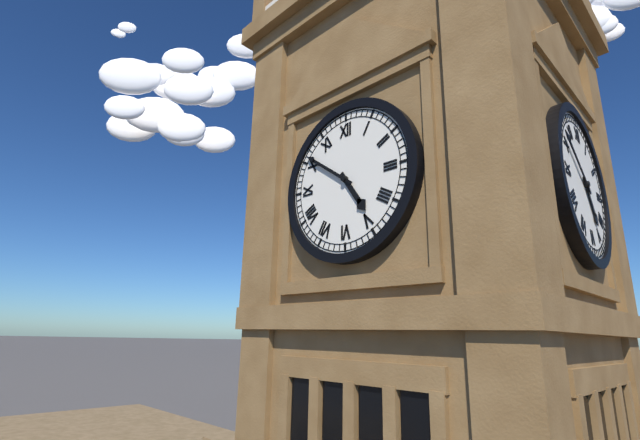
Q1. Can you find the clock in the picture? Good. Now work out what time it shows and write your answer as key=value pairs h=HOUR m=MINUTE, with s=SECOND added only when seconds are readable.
h=4 m=51
